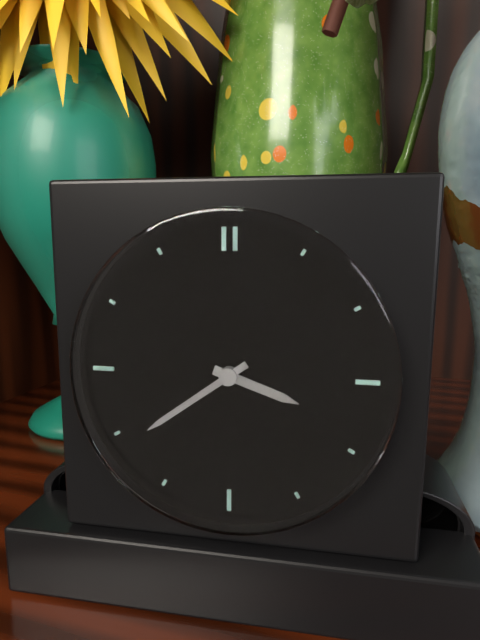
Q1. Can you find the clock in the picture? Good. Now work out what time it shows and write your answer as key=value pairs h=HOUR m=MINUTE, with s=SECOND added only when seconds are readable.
h=3 m=39
